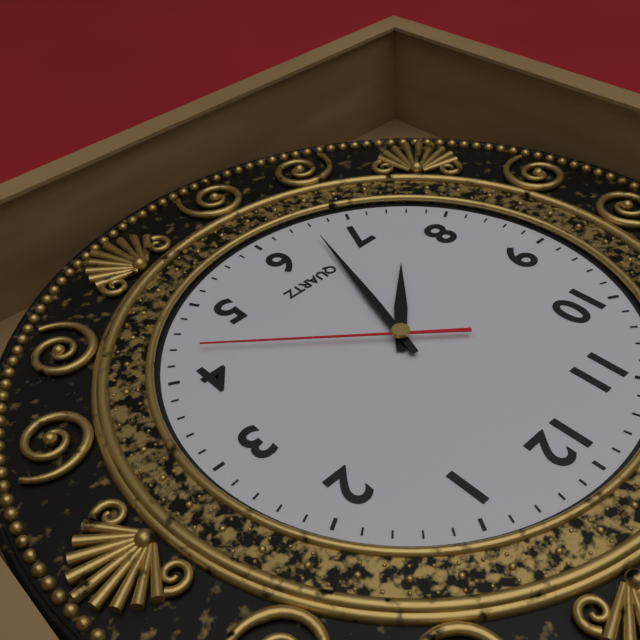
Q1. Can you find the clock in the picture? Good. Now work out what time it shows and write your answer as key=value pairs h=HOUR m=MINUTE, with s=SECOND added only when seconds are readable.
h=7 m=33 s=22
